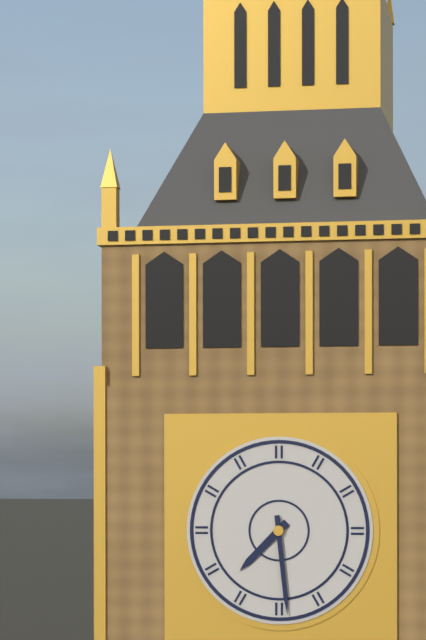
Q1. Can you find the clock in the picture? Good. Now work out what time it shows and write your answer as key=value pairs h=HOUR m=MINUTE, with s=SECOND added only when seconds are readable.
h=7 m=29
